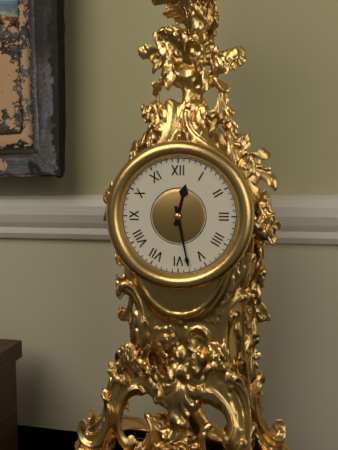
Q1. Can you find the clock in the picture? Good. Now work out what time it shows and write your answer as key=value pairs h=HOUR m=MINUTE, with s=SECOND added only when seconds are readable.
h=12 m=28
